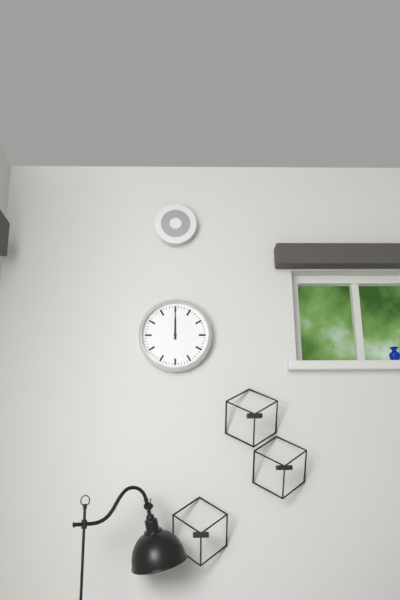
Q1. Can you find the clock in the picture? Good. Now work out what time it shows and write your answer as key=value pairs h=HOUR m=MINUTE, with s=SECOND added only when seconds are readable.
h=12 m=0
